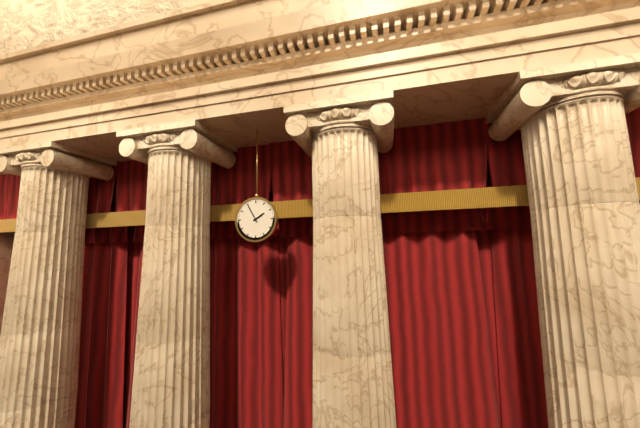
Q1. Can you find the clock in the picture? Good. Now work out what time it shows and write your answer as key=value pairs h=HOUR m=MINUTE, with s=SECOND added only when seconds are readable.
h=1 m=55
